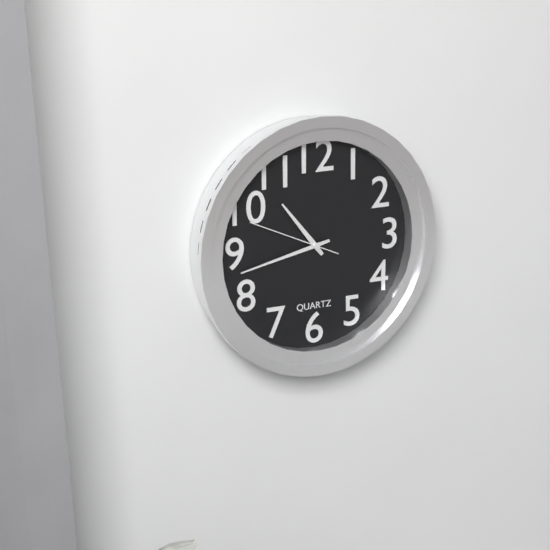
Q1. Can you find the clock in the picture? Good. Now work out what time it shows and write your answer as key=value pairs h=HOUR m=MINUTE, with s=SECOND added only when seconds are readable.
h=10 m=43 s=49
